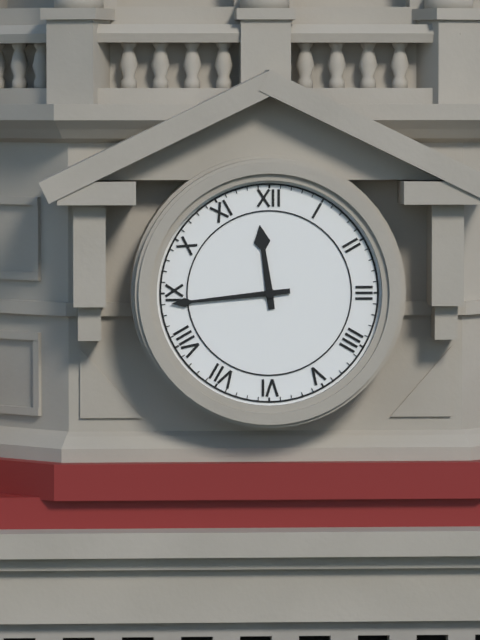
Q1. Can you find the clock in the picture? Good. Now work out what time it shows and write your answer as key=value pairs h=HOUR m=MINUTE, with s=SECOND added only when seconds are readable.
h=11 m=44
